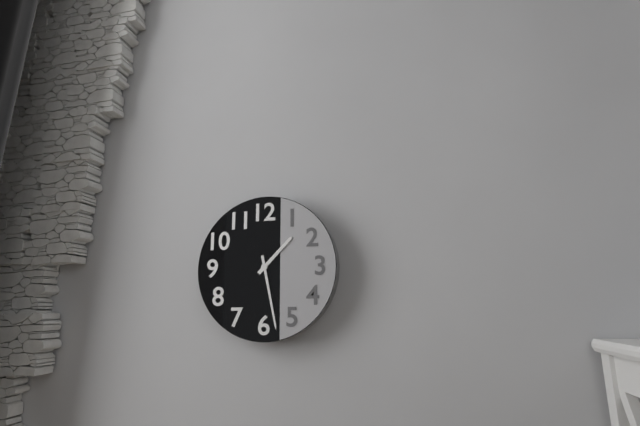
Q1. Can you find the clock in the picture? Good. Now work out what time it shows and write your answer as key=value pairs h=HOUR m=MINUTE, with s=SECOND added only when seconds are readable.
h=1 m=28
